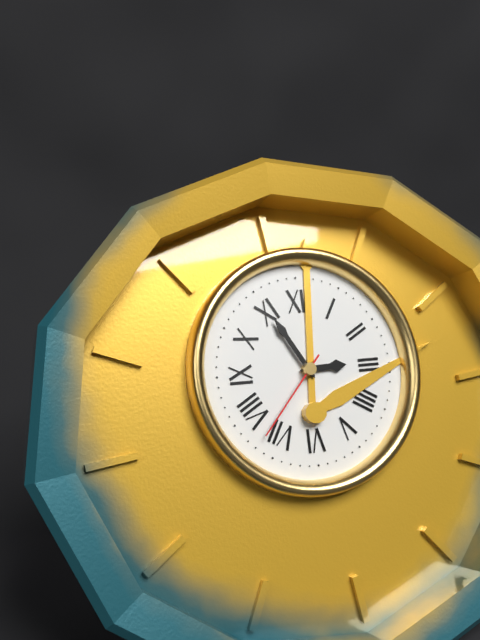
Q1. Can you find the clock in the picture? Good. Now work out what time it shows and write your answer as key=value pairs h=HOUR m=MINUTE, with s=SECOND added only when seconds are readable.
h=2 m=55 s=37
